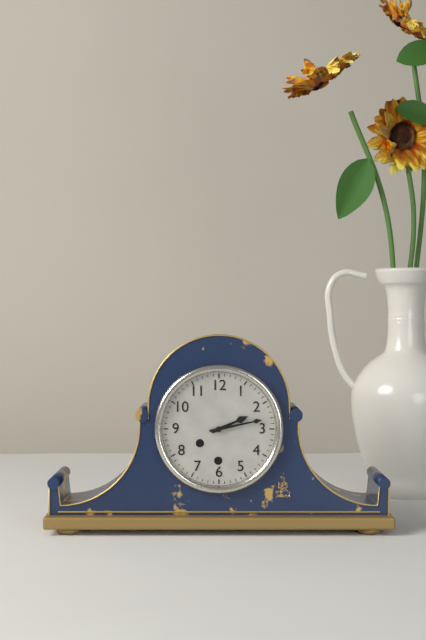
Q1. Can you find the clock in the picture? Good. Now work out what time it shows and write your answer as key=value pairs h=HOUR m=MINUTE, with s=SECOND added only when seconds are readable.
h=2 m=13
